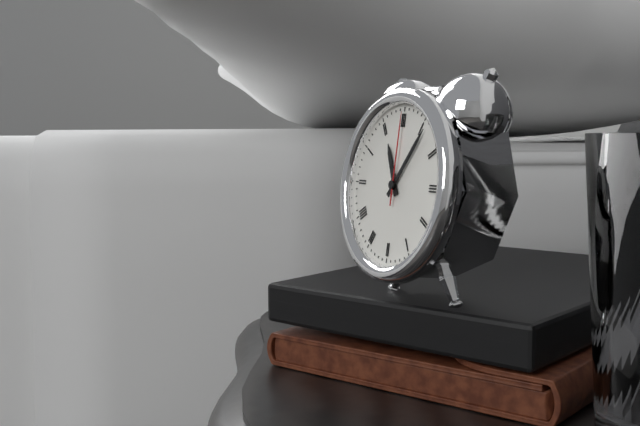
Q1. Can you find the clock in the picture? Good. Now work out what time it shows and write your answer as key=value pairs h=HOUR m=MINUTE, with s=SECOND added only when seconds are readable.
h=11 m=6 s=0
